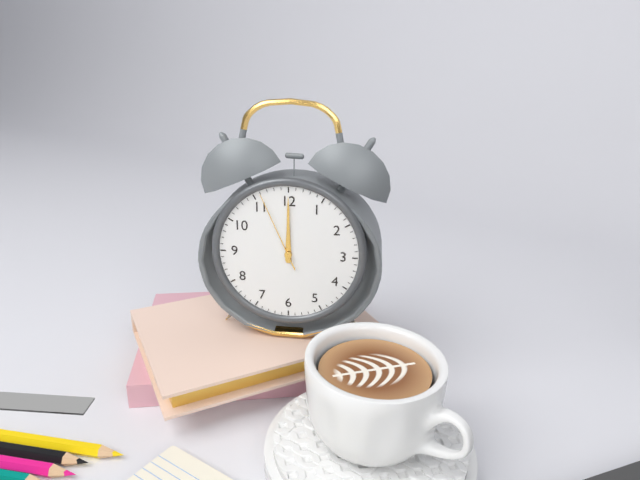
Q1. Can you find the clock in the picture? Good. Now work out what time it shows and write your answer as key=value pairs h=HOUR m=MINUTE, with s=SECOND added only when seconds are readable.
h=12 m=0 s=56
